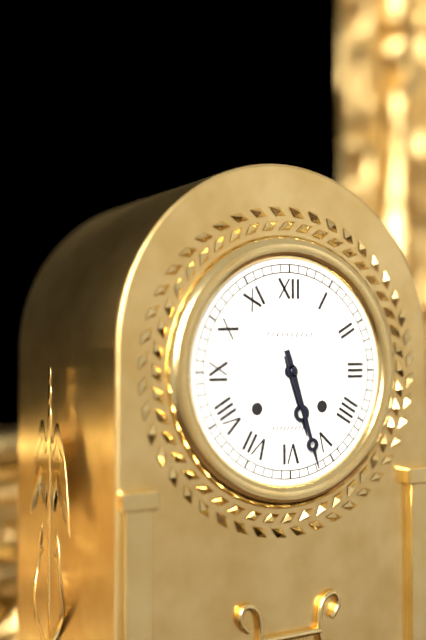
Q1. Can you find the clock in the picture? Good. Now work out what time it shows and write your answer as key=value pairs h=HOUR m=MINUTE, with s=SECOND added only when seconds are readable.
h=5 m=27
